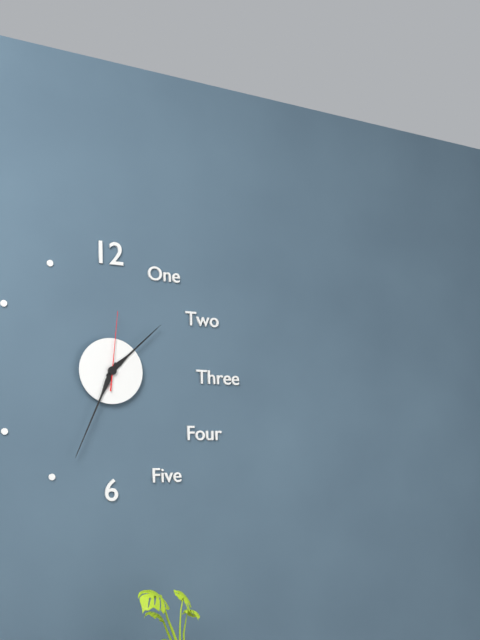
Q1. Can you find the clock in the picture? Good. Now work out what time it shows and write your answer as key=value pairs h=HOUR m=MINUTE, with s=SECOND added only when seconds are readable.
h=1 m=34 s=1
